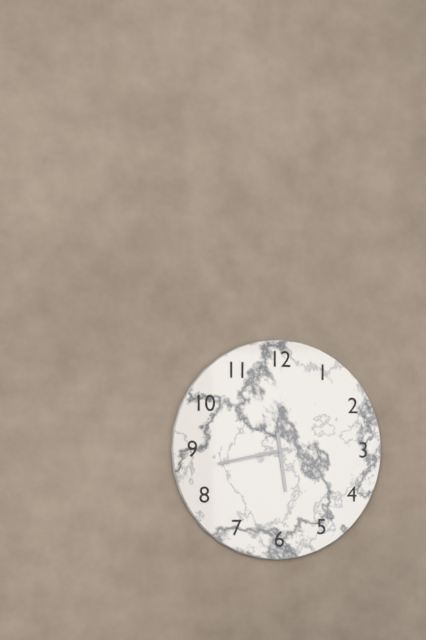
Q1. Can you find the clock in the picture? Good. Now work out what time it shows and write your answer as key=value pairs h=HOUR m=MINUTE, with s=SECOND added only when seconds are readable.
h=5 m=43
